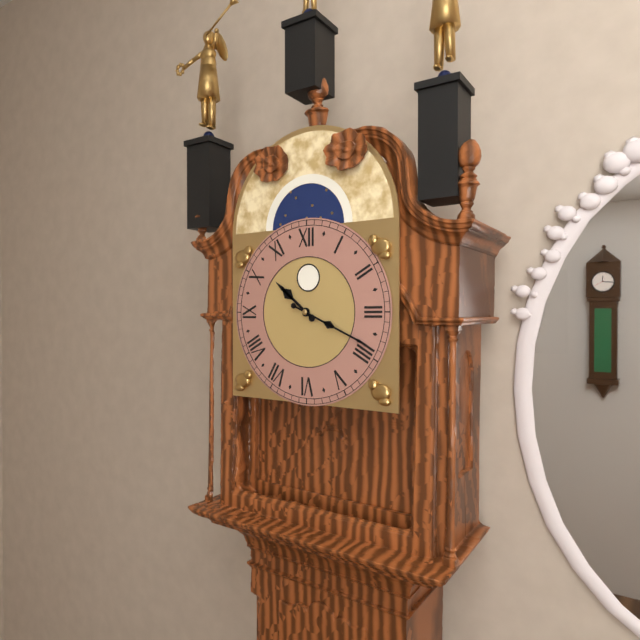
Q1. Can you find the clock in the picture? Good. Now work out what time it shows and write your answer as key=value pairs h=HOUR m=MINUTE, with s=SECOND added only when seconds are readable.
h=10 m=19
